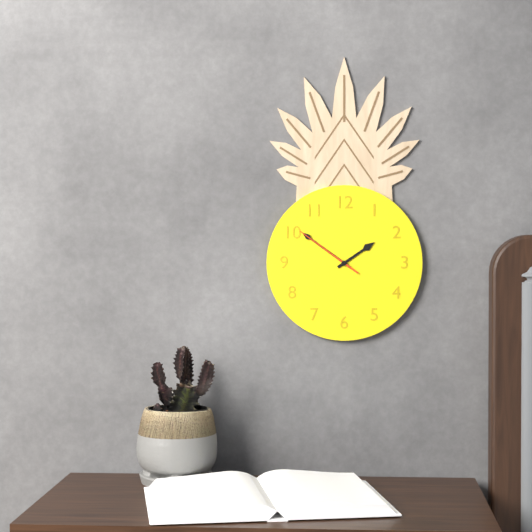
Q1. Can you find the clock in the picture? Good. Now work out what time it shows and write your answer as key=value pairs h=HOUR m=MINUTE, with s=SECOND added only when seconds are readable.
h=1 m=51 s=51
